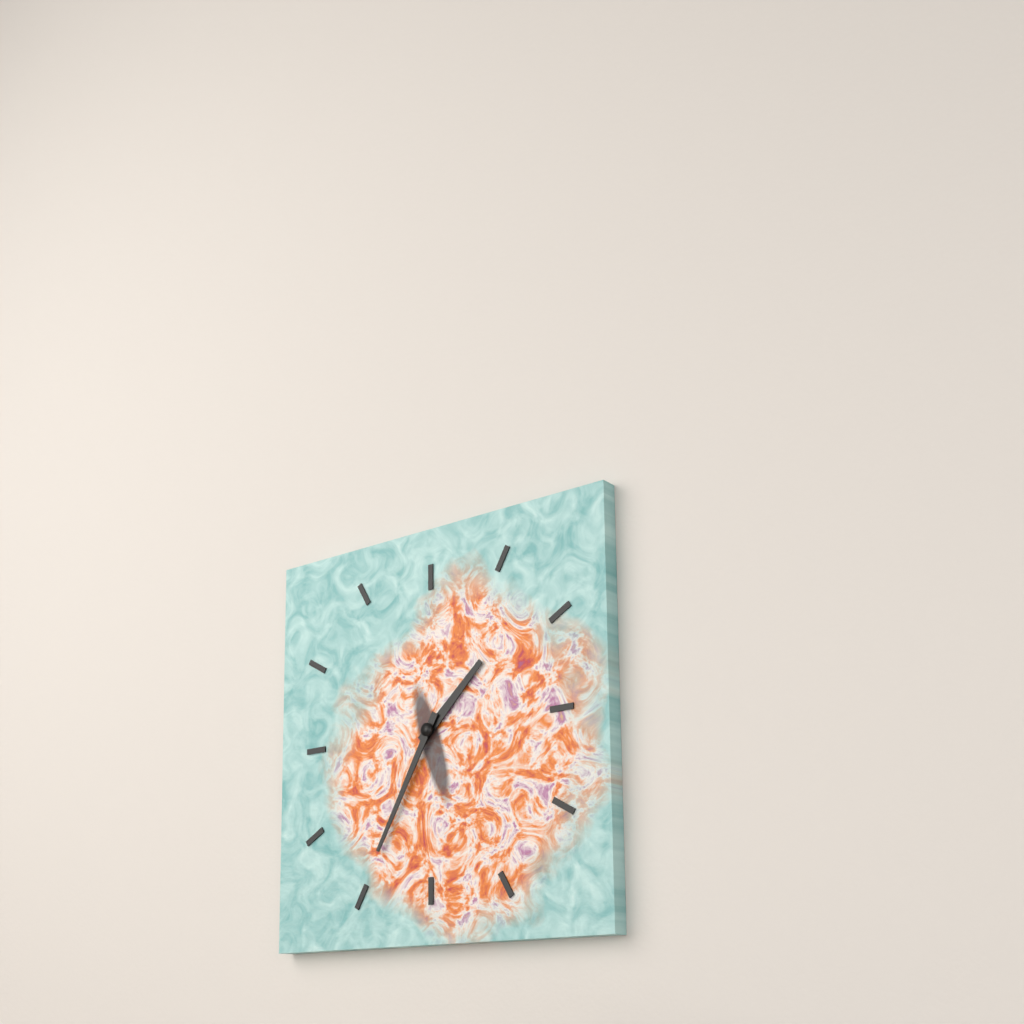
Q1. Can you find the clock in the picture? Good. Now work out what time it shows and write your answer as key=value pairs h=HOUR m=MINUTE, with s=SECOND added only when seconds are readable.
h=1 m=35
